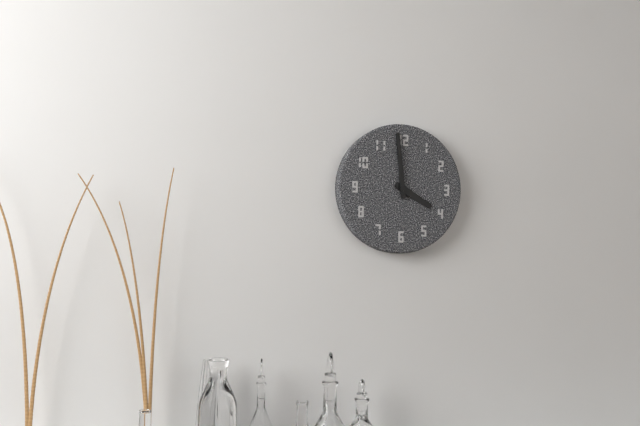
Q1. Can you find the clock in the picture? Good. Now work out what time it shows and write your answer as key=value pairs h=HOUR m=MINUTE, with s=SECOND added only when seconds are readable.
h=3 m=59
